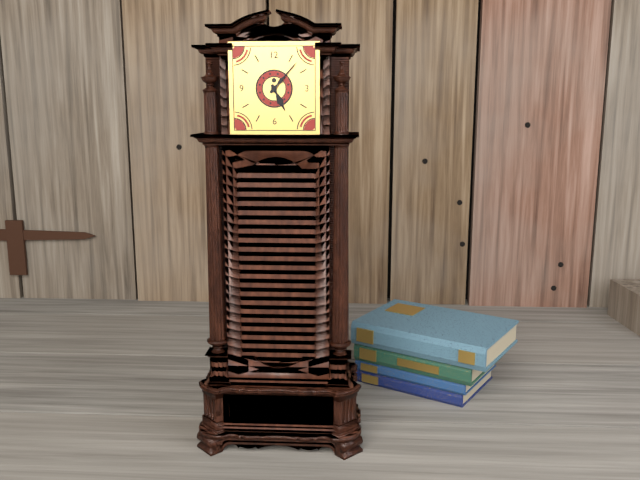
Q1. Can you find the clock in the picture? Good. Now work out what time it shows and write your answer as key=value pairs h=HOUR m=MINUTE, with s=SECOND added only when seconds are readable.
h=5 m=7
